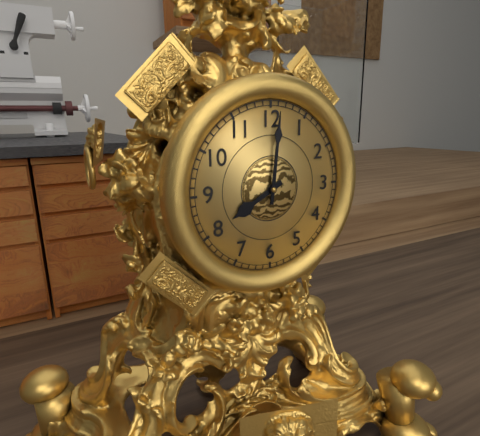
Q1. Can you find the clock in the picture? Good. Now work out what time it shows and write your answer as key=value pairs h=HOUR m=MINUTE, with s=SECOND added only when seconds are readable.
h=8 m=1
